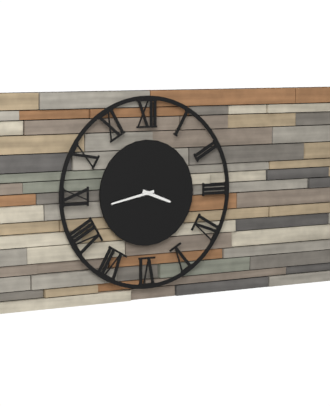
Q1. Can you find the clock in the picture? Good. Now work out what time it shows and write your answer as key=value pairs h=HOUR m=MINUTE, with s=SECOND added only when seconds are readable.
h=3 m=43
